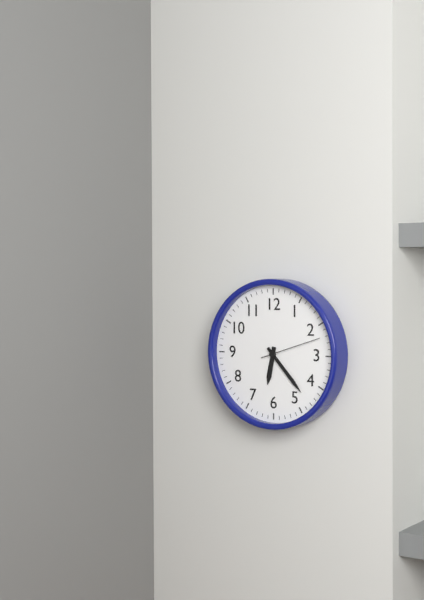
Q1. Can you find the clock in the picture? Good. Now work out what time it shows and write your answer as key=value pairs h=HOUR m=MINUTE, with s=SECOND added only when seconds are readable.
h=6 m=23 s=12
